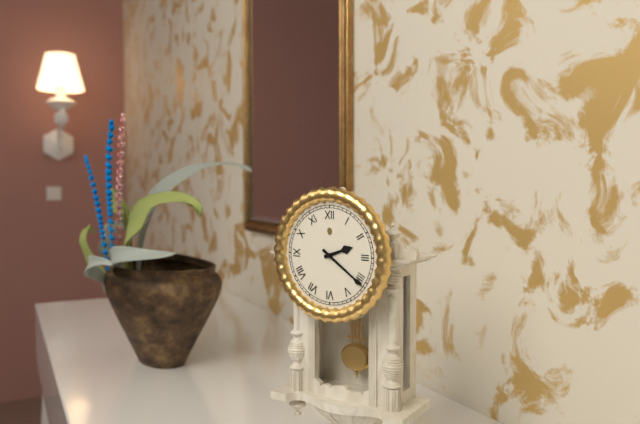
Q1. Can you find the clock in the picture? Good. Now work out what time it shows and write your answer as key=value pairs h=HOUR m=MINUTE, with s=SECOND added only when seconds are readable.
h=2 m=21
